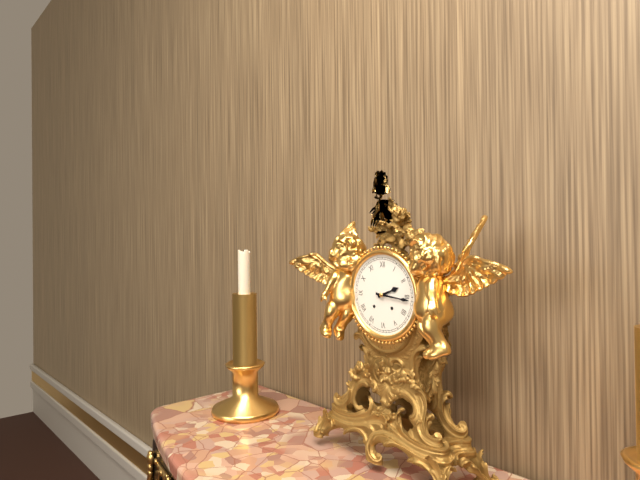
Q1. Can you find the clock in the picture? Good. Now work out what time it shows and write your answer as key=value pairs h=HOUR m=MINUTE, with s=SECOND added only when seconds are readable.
h=2 m=16
